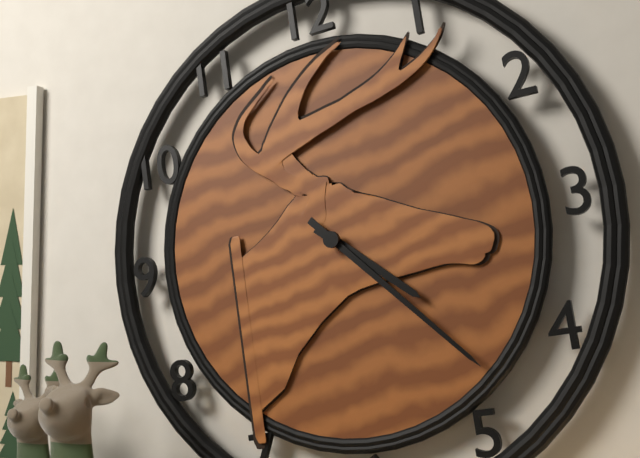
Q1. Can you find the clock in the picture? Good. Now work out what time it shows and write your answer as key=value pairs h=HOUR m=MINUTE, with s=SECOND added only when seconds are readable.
h=4 m=23
